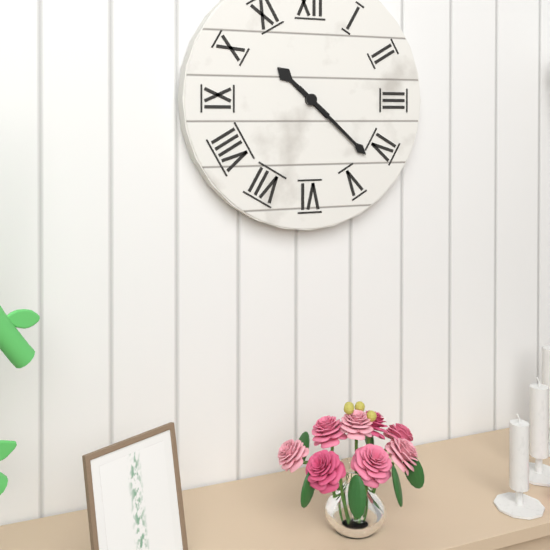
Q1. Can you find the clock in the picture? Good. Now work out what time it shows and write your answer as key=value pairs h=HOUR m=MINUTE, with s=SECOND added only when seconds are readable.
h=10 m=22
